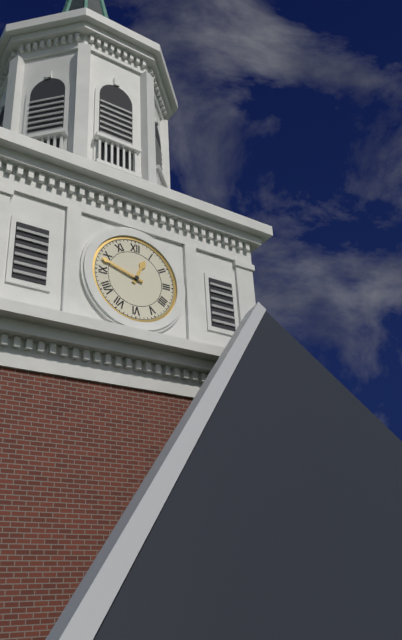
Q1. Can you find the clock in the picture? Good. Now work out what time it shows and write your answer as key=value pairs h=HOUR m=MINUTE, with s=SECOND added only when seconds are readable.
h=12 m=48
